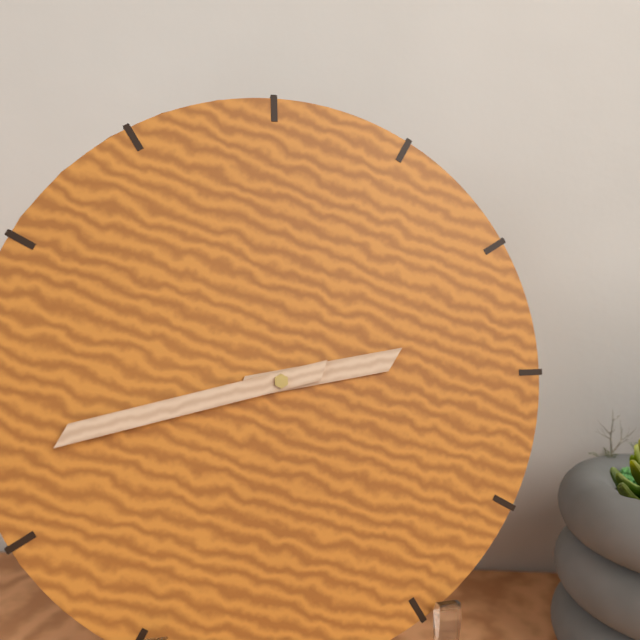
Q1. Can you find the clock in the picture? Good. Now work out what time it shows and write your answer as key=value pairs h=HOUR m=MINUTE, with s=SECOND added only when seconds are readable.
h=2 m=43
